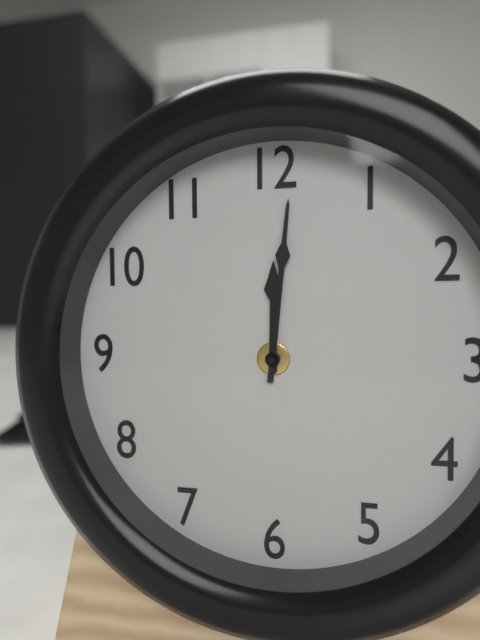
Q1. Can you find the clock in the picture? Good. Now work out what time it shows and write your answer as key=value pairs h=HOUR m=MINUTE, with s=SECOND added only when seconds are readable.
h=12 m=1
